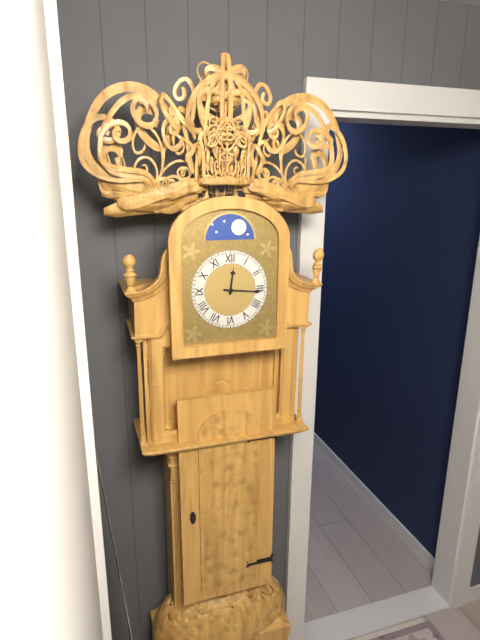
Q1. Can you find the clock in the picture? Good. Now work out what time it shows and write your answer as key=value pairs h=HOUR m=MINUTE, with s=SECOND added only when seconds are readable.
h=12 m=16
